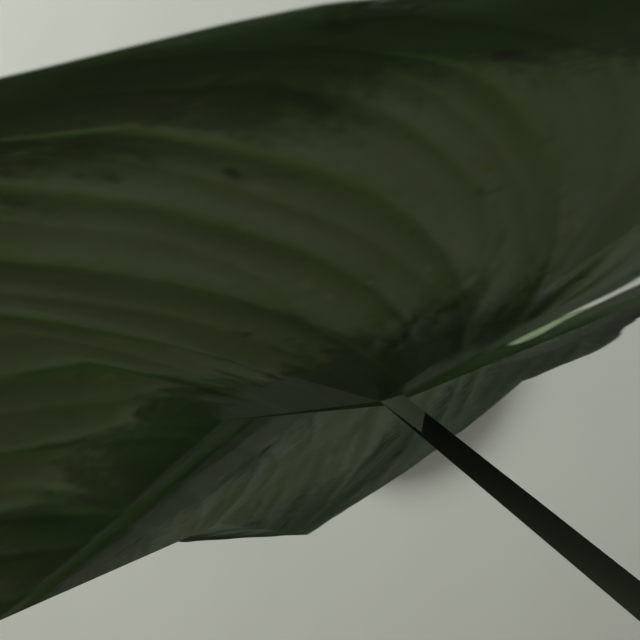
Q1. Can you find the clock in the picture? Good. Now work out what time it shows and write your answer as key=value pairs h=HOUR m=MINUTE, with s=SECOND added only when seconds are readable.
h=6 m=25 s=53
